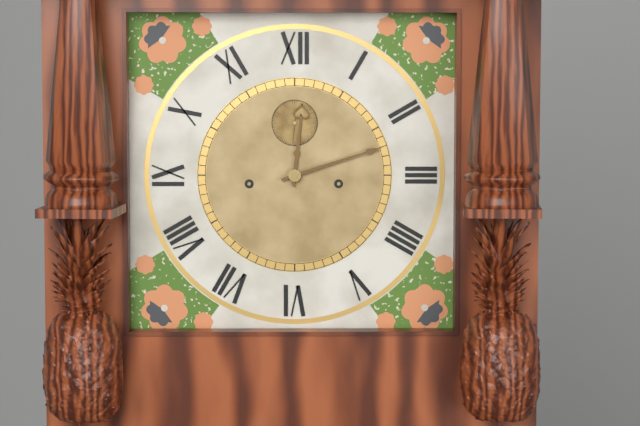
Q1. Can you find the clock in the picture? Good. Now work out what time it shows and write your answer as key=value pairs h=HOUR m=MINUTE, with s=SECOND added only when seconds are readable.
h=12 m=12
